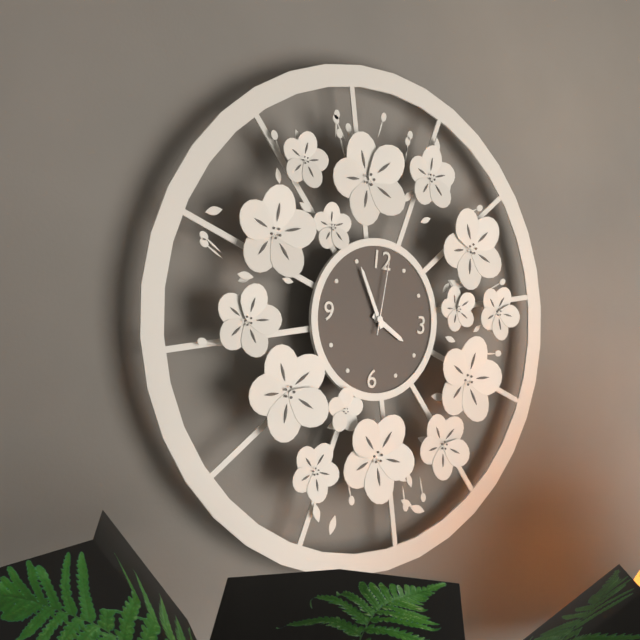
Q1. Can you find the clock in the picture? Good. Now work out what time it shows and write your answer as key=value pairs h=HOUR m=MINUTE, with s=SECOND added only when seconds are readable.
h=3 m=55 s=1
